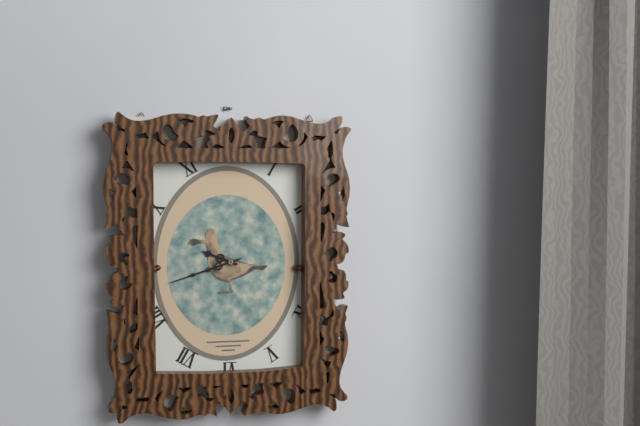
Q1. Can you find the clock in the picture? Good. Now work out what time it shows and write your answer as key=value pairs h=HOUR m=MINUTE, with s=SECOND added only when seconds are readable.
h=9 m=42
